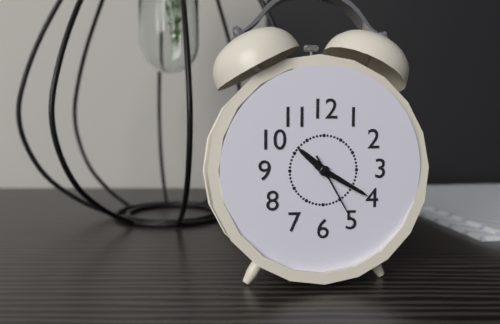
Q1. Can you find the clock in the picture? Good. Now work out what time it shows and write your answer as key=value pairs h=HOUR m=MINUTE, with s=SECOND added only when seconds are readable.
h=10 m=20 s=25
